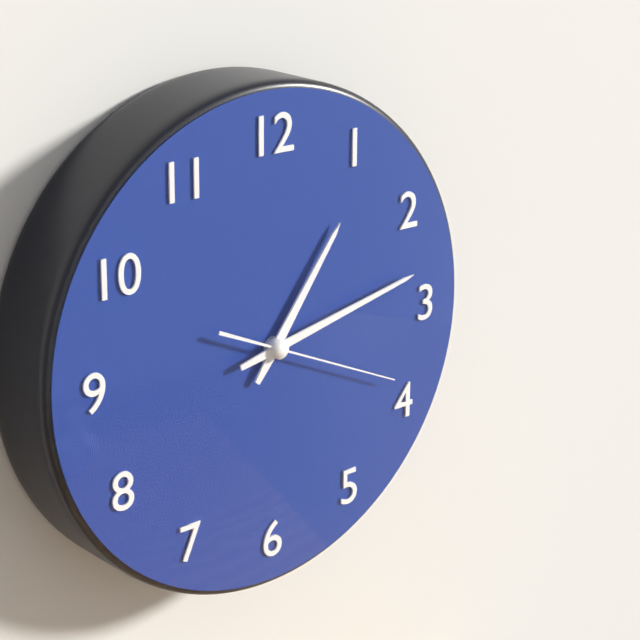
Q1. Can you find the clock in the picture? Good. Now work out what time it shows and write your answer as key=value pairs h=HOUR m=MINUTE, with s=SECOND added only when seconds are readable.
h=1 m=13 s=19
